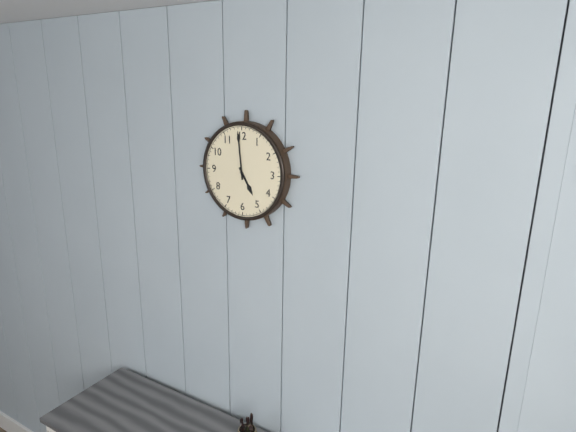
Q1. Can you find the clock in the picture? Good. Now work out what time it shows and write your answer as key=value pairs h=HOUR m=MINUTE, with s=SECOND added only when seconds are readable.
h=4 m=59
